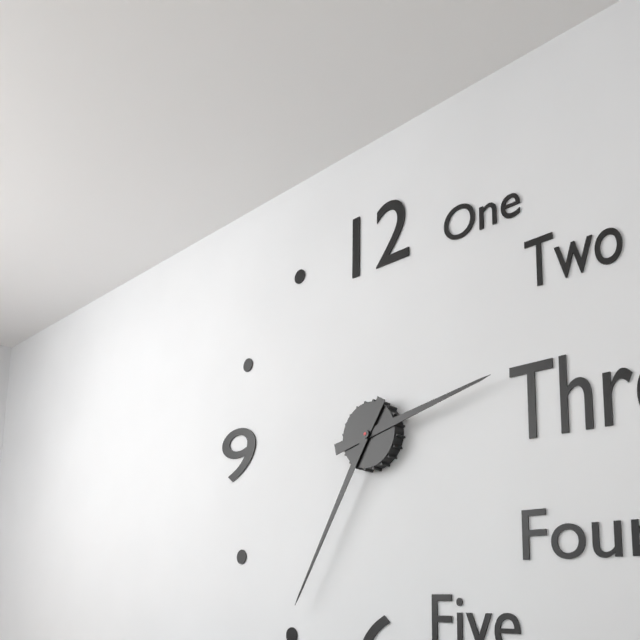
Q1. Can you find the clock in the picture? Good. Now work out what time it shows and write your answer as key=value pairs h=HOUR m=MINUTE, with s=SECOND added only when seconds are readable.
h=2 m=35
